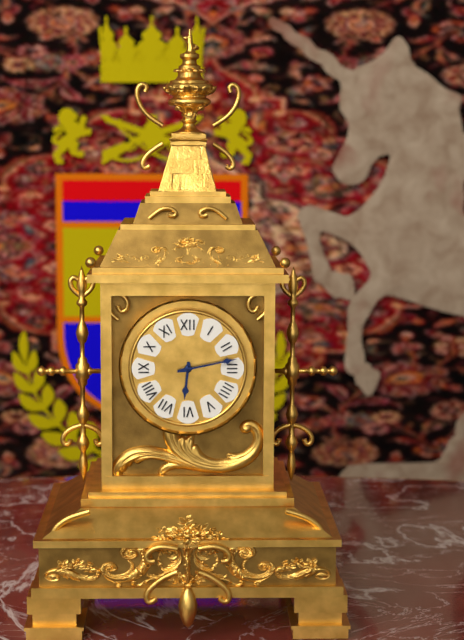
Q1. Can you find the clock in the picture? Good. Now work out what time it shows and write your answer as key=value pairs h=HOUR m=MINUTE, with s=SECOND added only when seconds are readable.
h=6 m=13
